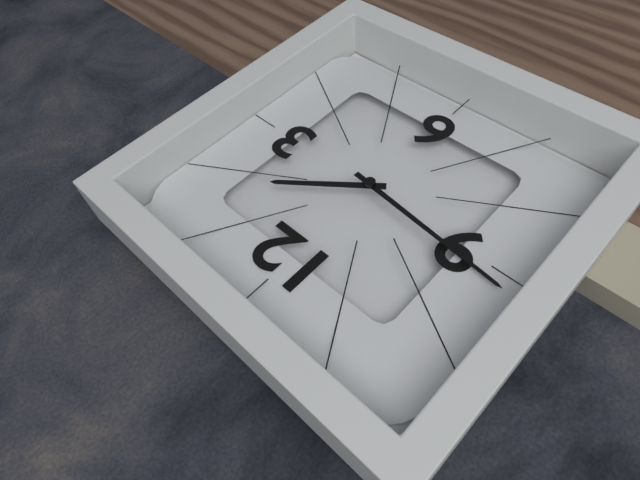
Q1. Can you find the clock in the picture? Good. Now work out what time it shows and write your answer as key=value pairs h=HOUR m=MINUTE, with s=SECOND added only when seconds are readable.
h=1 m=46
